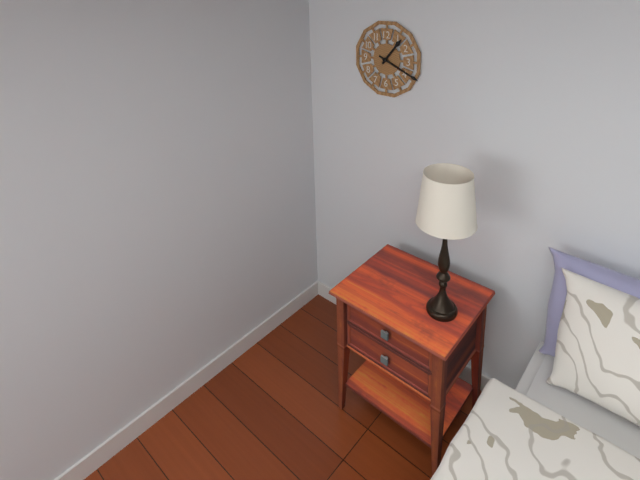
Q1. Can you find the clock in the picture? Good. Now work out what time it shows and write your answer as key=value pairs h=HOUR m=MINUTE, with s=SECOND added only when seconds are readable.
h=1 m=19
